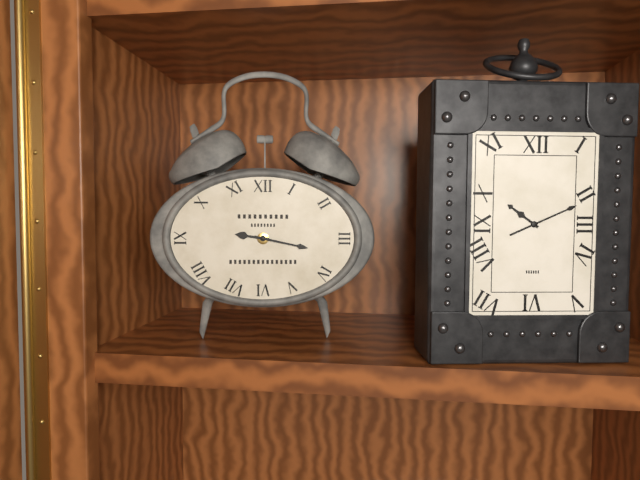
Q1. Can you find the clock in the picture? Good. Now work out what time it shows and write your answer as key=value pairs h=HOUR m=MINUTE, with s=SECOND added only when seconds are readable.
h=9 m=17
